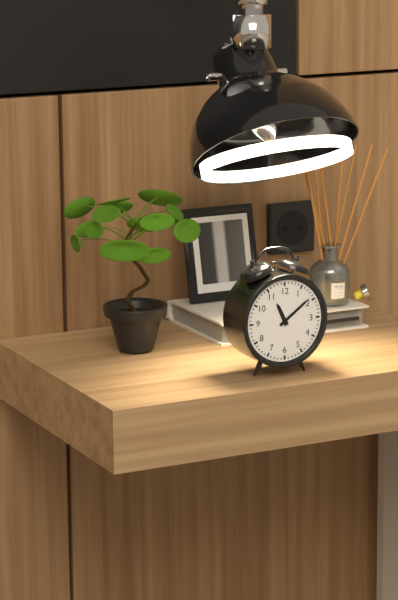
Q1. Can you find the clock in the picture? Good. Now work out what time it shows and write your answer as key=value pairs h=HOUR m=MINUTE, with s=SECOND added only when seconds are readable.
h=11 m=9
